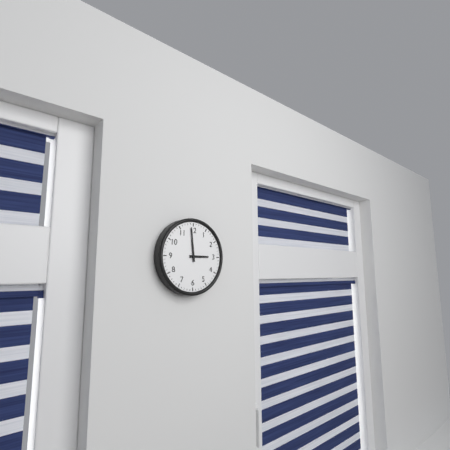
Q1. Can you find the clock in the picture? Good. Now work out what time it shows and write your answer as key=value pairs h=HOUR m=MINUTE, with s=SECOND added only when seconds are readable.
h=2 m=59
